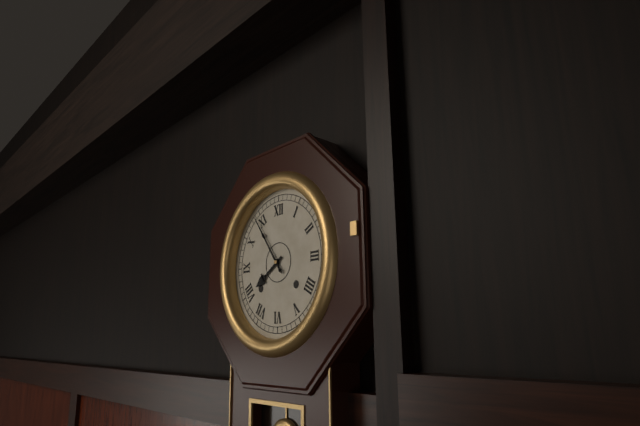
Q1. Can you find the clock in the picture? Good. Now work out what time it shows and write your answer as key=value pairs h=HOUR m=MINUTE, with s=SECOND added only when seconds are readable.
h=7 m=54
